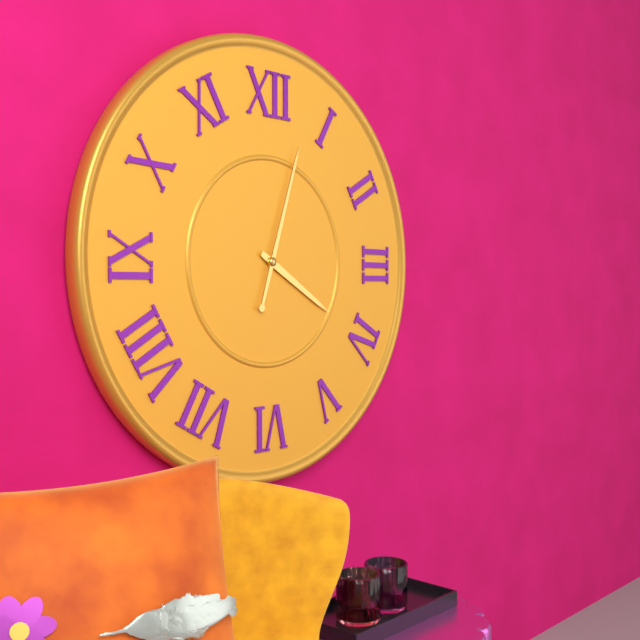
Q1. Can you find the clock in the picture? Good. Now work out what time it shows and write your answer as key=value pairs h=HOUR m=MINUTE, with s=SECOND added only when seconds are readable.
h=4 m=3
